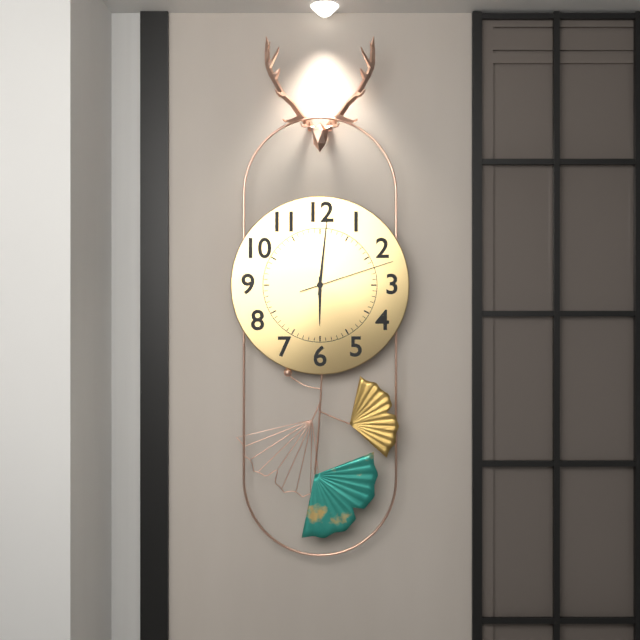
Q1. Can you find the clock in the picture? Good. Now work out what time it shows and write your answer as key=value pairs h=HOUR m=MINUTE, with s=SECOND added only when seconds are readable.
h=6 m=1 s=12
